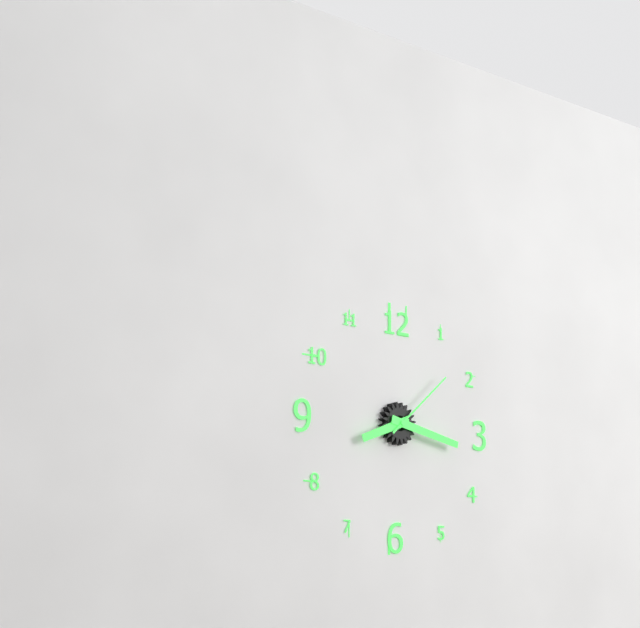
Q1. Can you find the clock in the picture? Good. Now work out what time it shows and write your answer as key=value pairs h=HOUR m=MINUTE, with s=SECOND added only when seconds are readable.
h=8 m=17 s=8
